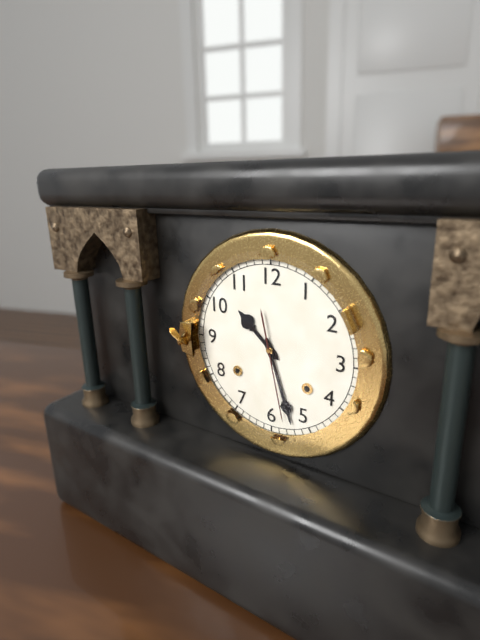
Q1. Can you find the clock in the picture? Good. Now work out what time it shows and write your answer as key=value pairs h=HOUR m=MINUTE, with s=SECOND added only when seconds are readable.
h=10 m=27 s=28
